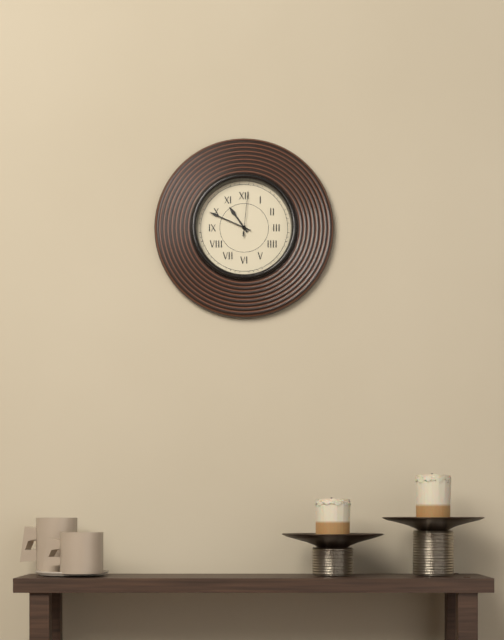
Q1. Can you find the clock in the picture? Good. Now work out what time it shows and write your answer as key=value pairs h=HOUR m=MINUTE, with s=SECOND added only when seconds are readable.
h=10 m=49
